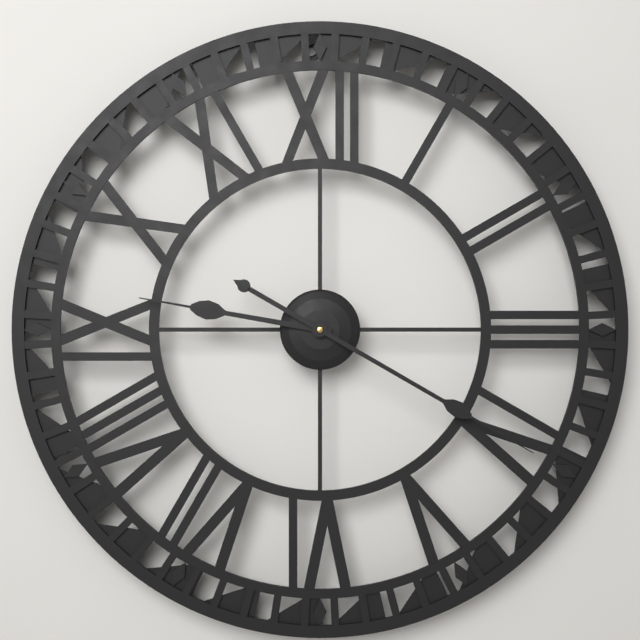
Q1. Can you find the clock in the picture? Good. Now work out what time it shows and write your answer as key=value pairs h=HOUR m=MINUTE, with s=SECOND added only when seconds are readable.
h=9 m=20
